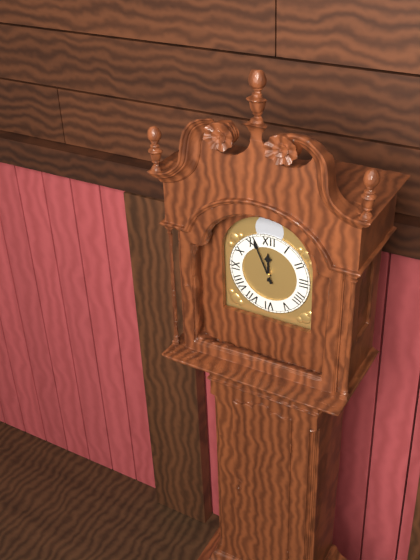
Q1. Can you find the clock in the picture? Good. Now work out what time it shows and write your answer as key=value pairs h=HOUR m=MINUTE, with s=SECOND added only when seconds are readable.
h=11 m=56
